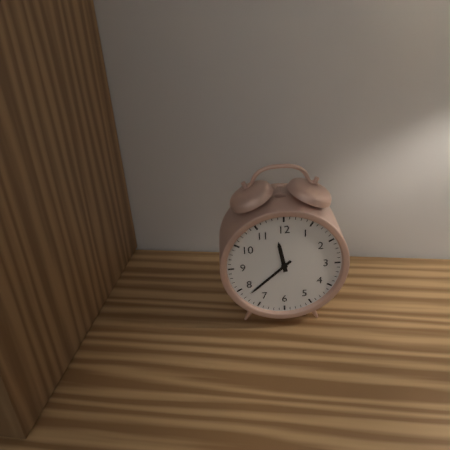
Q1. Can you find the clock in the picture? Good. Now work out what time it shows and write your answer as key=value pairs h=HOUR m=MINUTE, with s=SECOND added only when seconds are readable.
h=11 m=38
